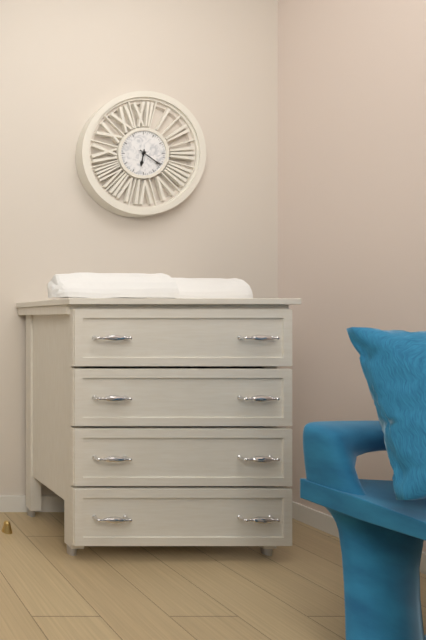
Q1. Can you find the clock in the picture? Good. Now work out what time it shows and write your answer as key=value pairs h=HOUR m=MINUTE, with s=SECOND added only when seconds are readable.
h=6 m=21
